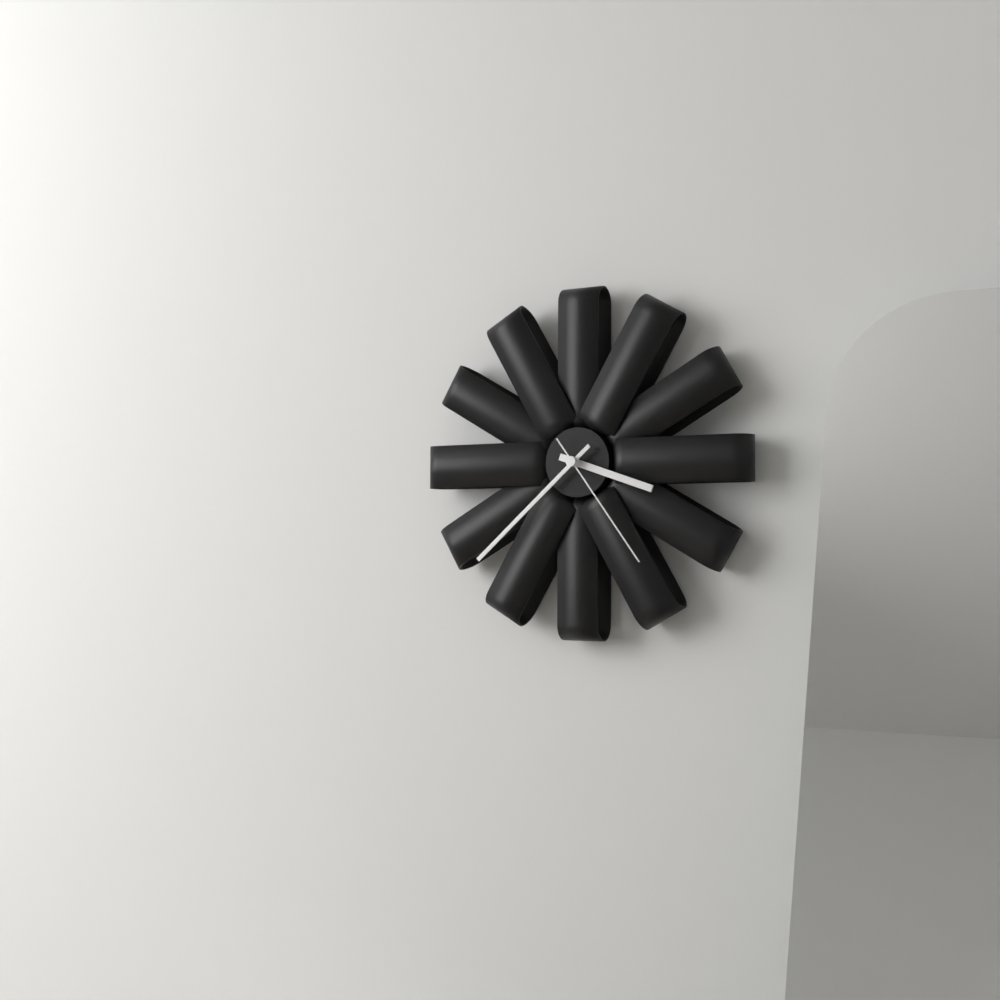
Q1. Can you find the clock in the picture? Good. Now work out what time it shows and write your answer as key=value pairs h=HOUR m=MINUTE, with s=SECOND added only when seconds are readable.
h=3 m=38 s=24
